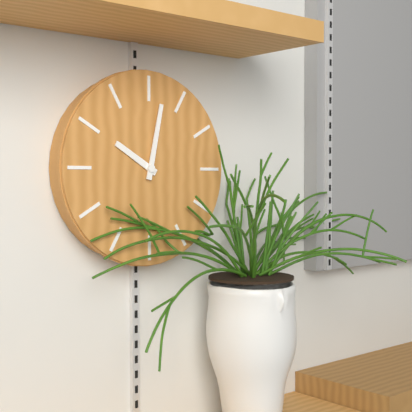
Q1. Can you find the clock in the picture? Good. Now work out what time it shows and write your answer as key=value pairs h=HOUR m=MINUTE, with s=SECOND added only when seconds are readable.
h=10 m=2
